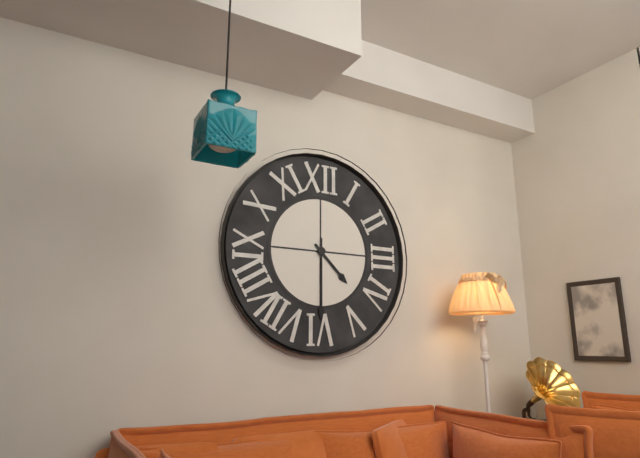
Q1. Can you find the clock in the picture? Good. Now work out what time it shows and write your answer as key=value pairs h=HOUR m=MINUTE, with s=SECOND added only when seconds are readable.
h=4 m=30
